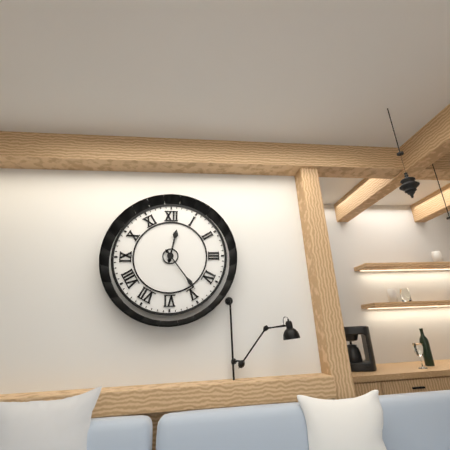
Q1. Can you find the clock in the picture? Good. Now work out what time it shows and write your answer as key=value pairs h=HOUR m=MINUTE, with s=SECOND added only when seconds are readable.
h=12 m=24
